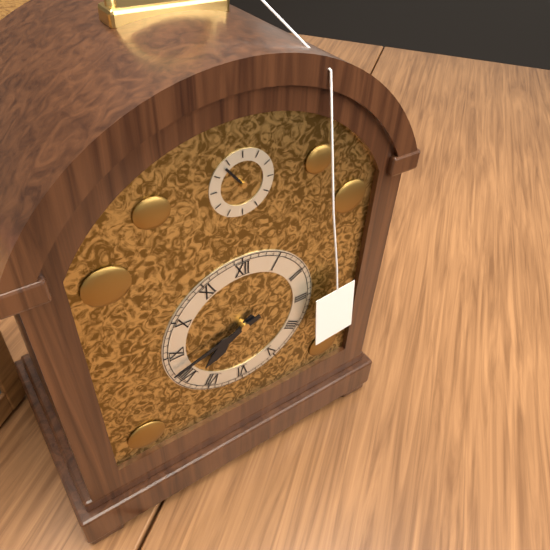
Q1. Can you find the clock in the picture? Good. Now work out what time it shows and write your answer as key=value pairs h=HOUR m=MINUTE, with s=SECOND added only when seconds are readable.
h=7 m=42
